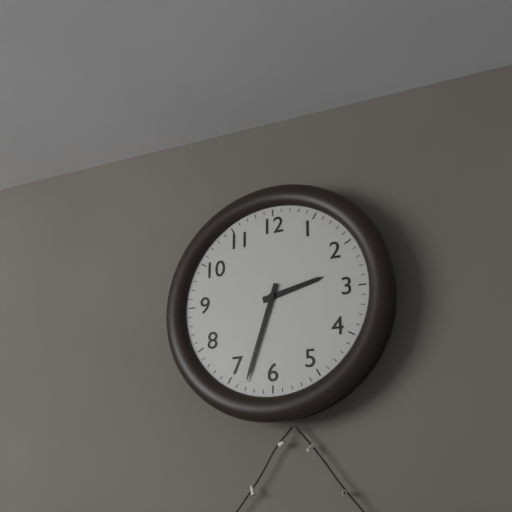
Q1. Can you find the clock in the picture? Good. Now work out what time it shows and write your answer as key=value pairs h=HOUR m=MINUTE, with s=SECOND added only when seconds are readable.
h=2 m=33
